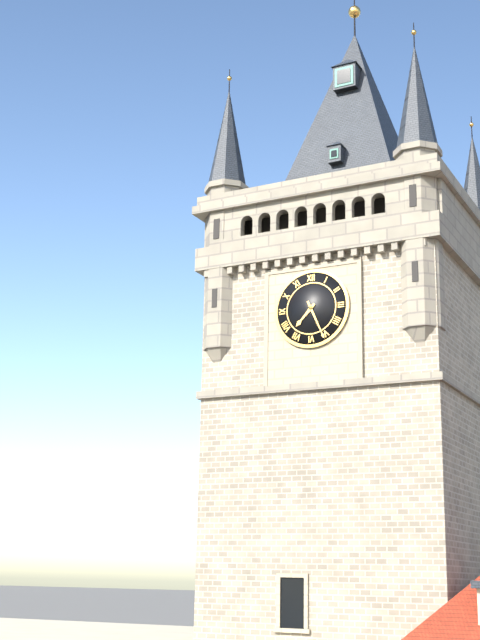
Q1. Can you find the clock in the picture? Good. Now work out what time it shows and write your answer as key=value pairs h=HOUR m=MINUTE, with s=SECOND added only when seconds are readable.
h=7 m=26
